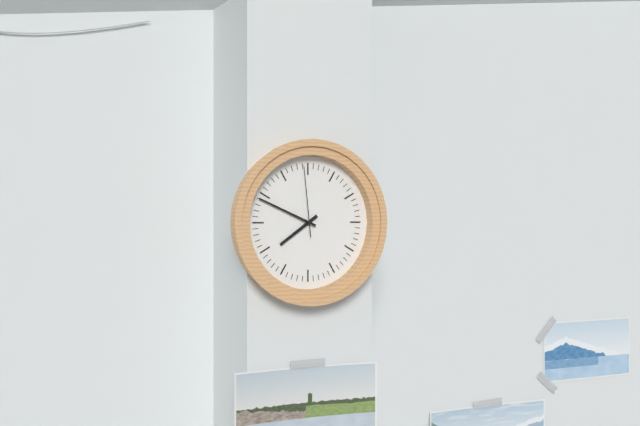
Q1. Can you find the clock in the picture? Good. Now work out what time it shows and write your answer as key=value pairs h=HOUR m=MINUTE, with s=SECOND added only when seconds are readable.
h=7 m=49 s=59
